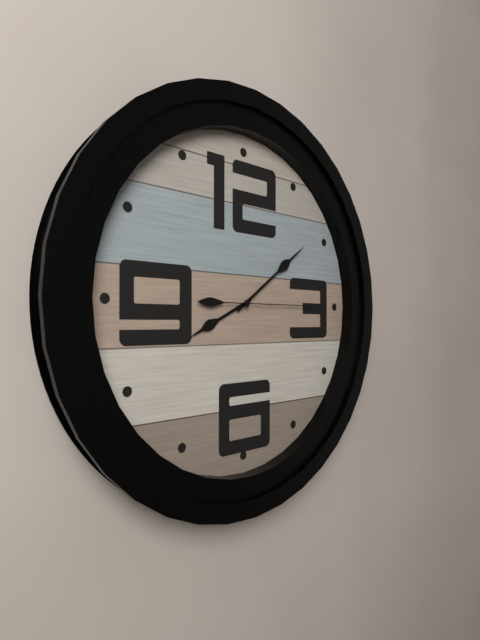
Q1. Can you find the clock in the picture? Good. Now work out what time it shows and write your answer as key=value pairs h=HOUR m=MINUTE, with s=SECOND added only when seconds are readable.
h=8 m=9 s=15
